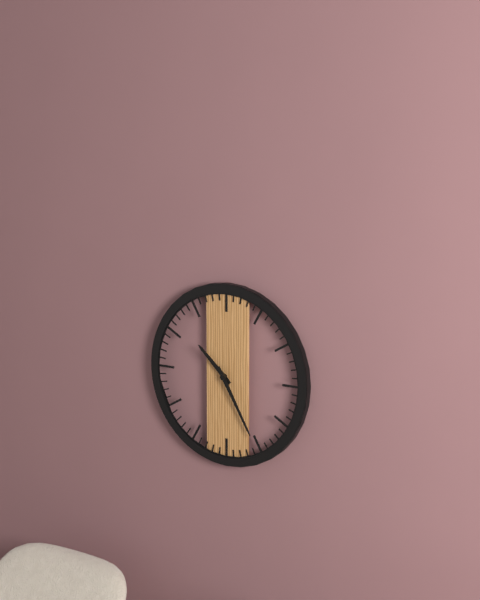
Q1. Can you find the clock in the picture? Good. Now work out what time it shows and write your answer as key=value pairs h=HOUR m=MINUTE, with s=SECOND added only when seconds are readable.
h=10 m=25
